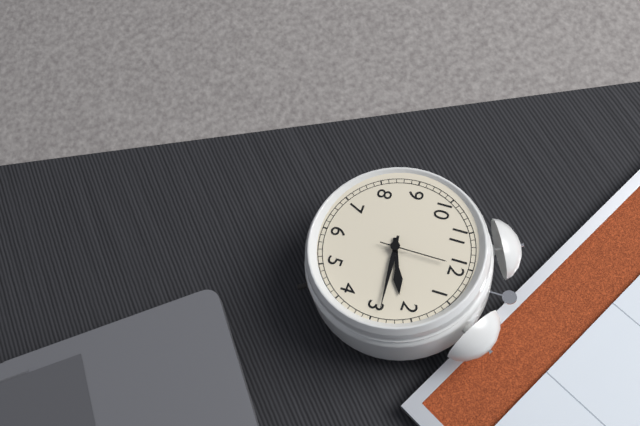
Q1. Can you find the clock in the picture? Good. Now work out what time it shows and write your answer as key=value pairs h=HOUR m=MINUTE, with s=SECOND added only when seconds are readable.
h=2 m=14 s=0
